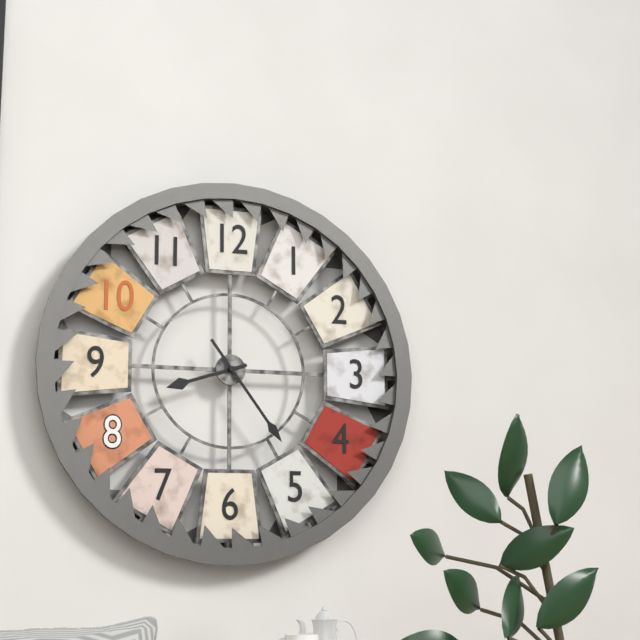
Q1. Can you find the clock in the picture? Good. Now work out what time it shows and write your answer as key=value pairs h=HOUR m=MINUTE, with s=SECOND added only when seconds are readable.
h=8 m=24
